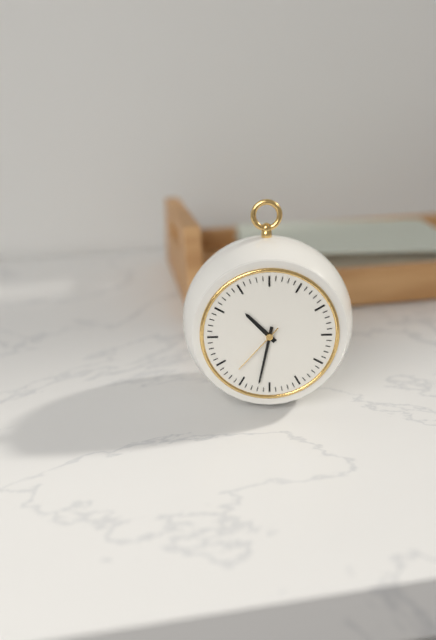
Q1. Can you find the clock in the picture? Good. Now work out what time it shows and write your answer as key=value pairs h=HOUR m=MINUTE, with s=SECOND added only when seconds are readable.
h=10 m=32 s=37
